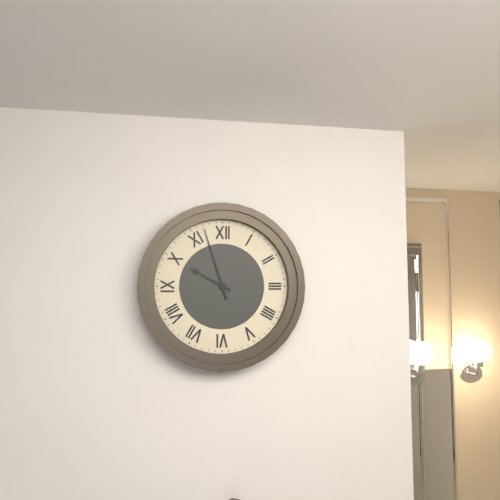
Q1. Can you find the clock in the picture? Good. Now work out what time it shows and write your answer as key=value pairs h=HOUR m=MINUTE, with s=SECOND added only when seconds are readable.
h=9 m=57
